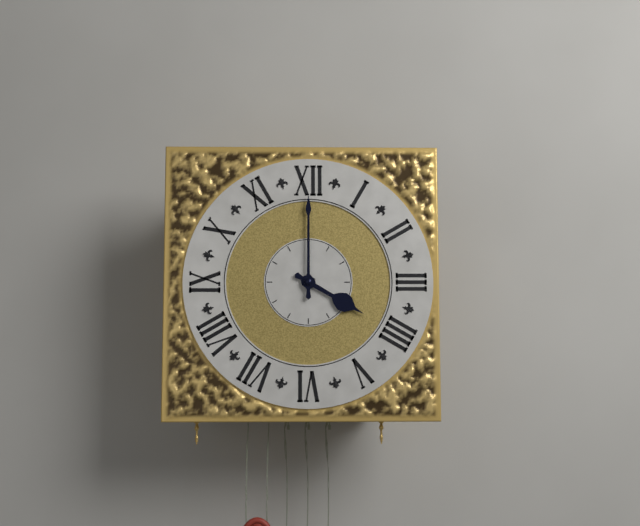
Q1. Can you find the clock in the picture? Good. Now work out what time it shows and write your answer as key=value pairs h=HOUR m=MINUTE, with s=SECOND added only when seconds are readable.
h=4 m=0
